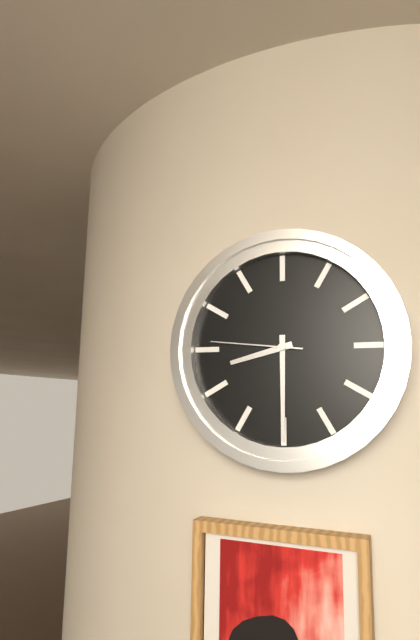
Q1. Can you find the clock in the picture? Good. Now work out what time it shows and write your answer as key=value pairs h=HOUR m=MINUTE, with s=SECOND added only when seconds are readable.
h=8 m=30 s=46
